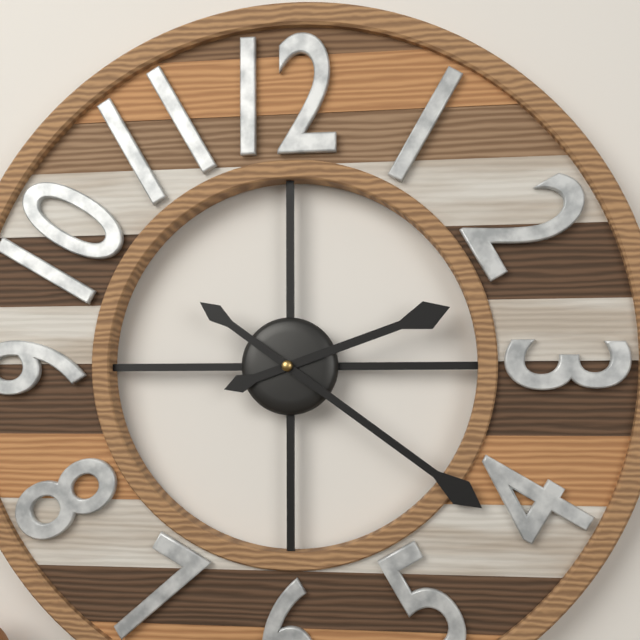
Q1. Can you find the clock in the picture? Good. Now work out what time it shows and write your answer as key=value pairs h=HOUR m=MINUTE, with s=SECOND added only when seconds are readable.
h=2 m=21
